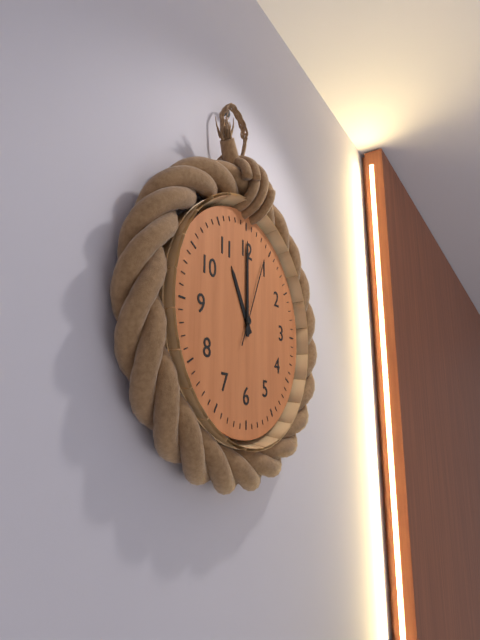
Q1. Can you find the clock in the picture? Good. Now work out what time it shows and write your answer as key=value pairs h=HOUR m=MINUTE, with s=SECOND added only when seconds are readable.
h=11 m=0 s=4
